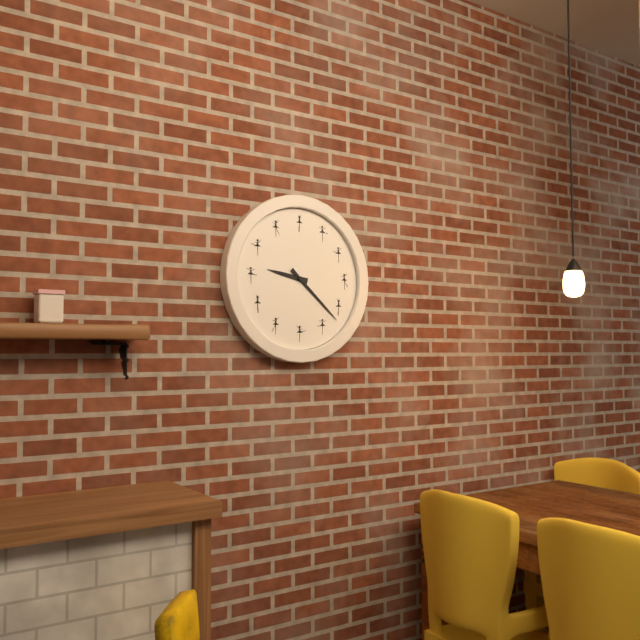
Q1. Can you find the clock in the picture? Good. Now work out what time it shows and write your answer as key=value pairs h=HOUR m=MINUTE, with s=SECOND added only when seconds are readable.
h=9 m=22
